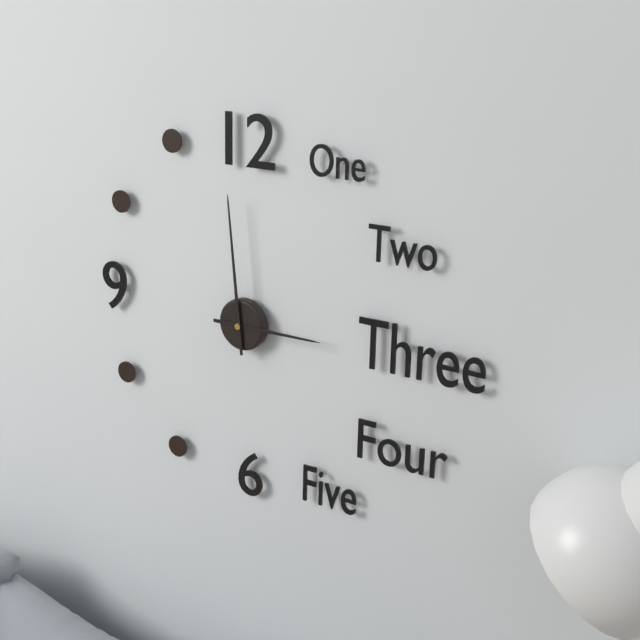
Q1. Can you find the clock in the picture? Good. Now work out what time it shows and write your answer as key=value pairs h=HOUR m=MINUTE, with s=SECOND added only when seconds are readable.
h=2 m=59
